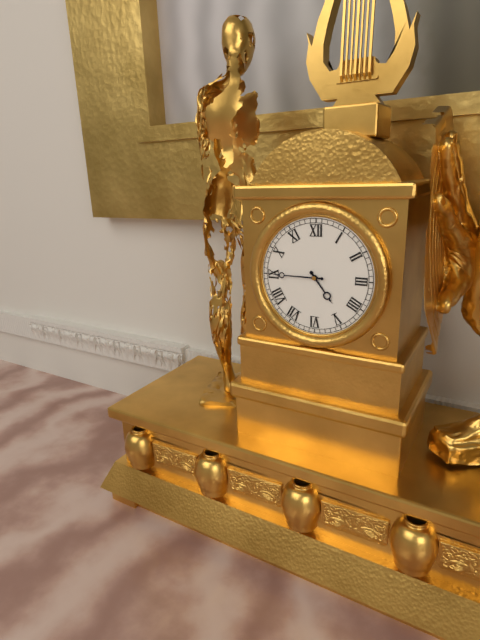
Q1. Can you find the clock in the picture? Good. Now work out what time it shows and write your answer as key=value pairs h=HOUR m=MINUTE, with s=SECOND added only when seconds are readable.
h=4 m=45
